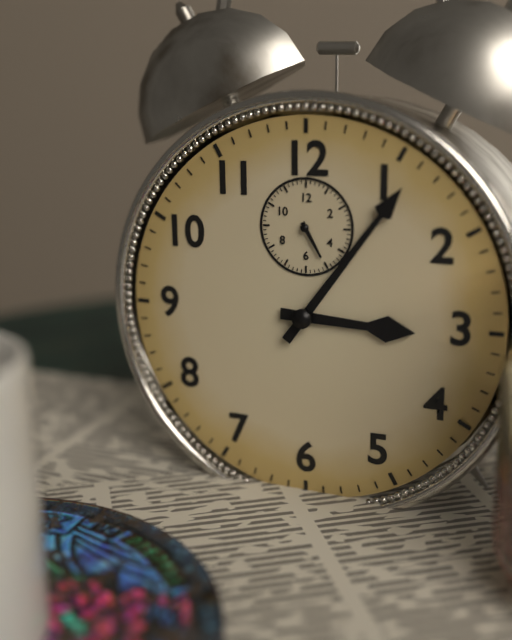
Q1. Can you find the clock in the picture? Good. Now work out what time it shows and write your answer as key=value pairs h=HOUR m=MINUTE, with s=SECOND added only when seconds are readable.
h=3 m=6
